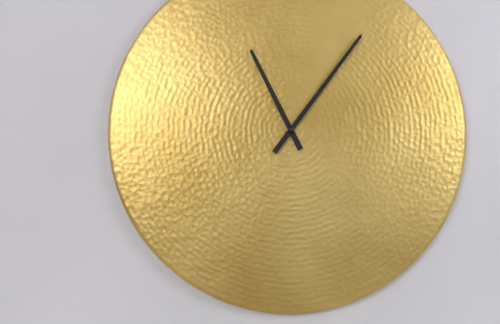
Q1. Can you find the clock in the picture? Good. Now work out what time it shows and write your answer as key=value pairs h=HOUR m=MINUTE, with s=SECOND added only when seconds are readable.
h=11 m=6
